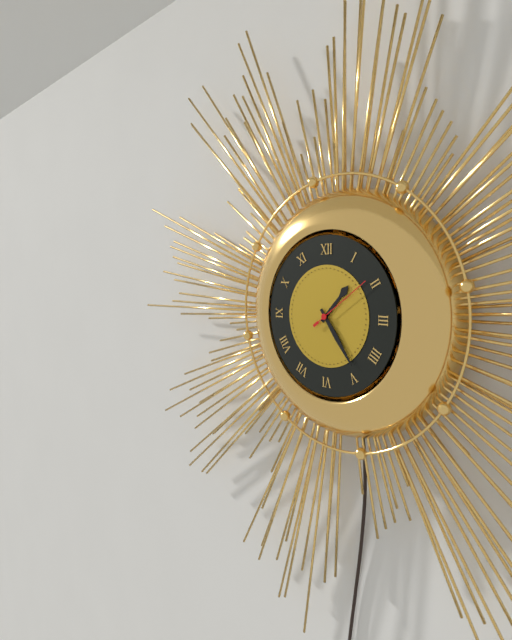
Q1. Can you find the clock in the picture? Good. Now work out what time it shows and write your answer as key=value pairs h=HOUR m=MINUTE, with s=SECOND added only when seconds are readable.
h=1 m=24 s=9
